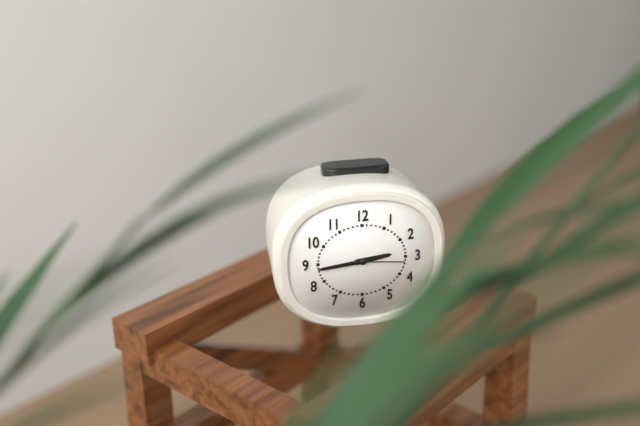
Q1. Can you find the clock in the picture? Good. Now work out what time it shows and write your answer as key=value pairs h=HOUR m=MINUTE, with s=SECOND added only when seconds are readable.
h=2 m=44 s=16
